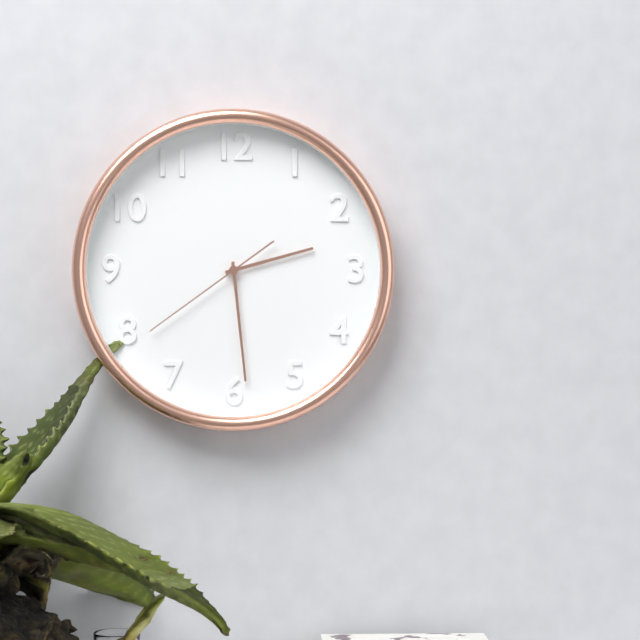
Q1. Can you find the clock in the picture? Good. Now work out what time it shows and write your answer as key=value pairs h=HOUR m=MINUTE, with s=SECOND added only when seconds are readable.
h=2 m=29 s=39
